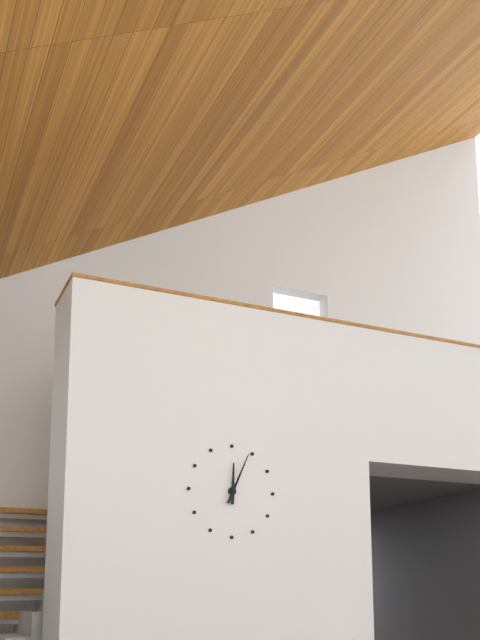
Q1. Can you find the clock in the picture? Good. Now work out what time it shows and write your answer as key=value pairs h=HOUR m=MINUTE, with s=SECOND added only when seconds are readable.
h=12 m=4
